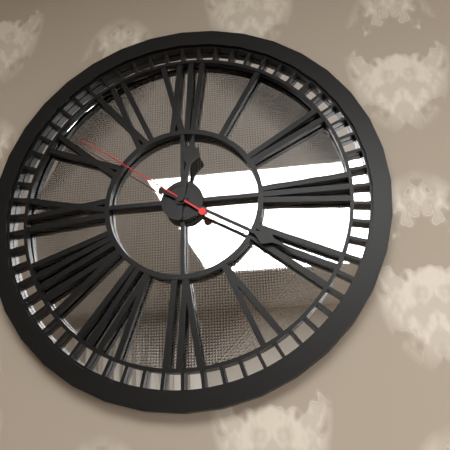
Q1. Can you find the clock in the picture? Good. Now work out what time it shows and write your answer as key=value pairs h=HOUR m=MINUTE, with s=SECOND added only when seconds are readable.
h=12 m=20 s=51
